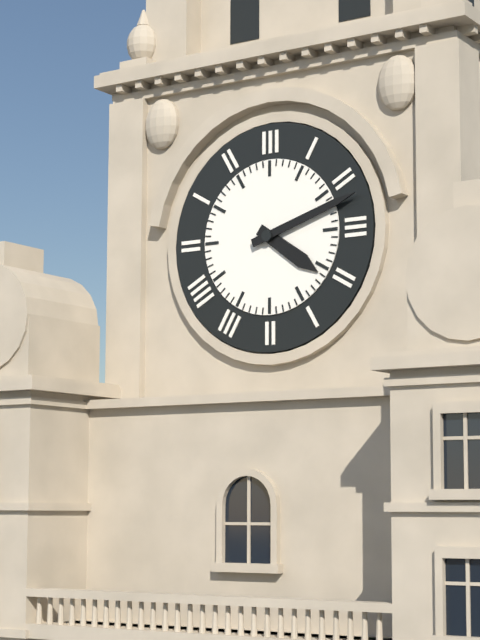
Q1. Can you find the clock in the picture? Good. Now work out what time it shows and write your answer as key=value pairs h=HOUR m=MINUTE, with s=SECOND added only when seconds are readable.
h=4 m=12
